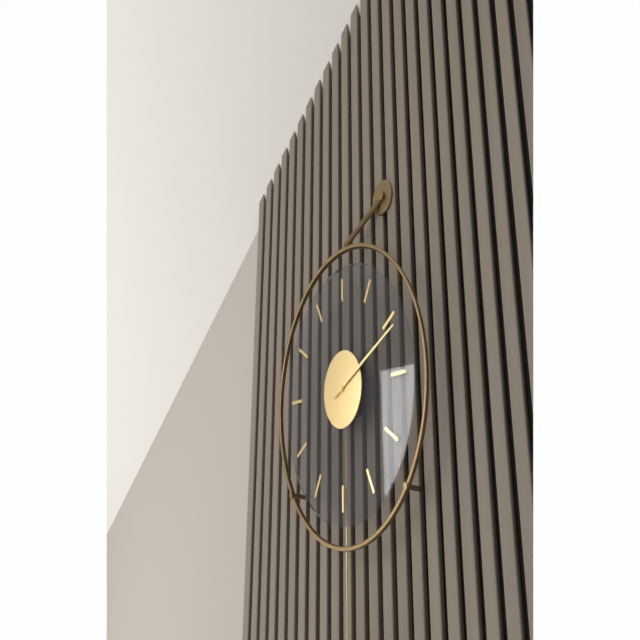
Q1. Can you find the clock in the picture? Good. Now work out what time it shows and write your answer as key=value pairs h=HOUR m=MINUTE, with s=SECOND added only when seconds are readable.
h=2 m=11
